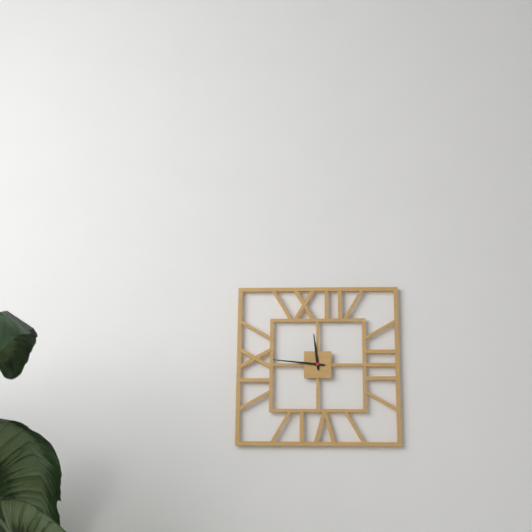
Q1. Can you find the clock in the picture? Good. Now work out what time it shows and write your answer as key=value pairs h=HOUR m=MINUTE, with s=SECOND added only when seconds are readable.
h=11 m=46
